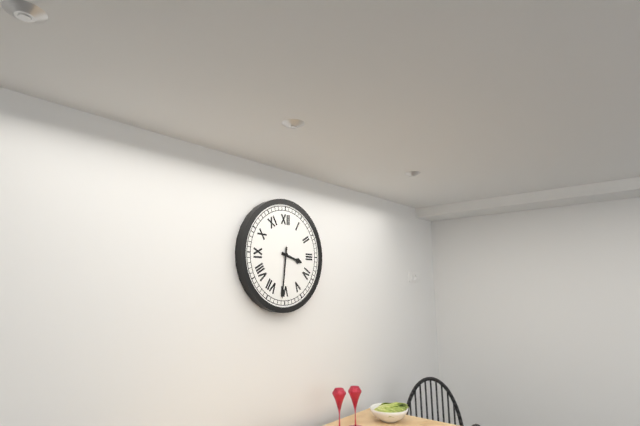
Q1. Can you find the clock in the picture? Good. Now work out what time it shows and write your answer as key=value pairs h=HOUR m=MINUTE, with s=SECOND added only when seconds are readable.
h=3 m=31
